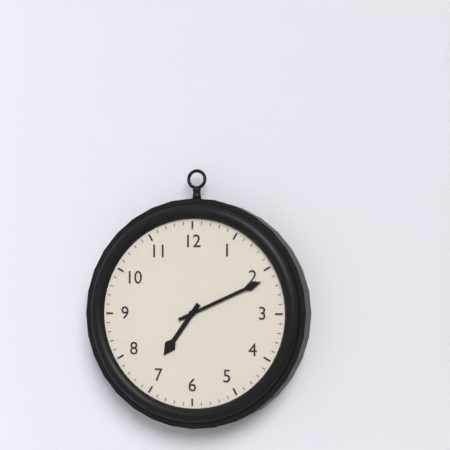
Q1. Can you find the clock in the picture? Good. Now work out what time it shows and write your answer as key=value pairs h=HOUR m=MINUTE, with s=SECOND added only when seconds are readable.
h=7 m=11
